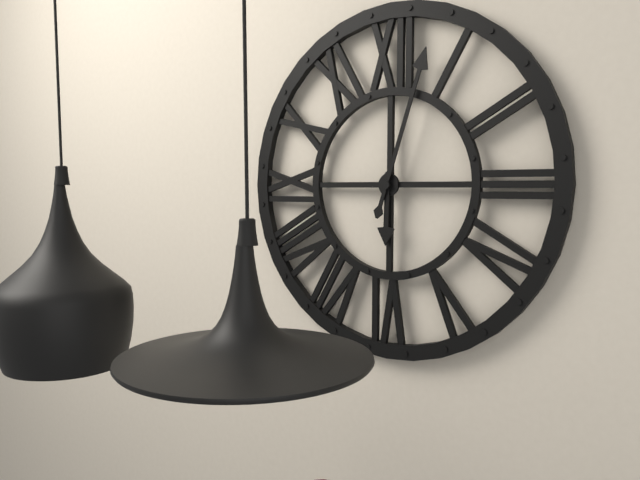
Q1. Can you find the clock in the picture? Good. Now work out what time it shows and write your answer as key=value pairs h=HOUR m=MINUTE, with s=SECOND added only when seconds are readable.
h=6 m=3
